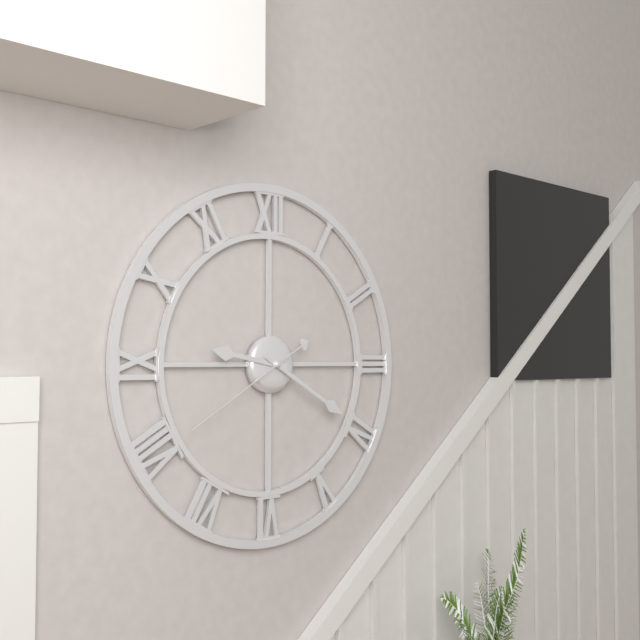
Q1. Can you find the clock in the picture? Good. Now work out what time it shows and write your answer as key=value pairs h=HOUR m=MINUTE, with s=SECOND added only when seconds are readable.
h=9 m=20 s=40
